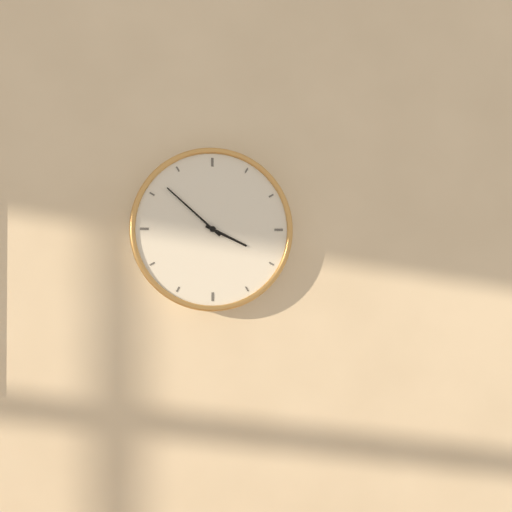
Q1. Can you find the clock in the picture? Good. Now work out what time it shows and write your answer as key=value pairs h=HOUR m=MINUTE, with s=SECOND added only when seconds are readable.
h=3 m=52
